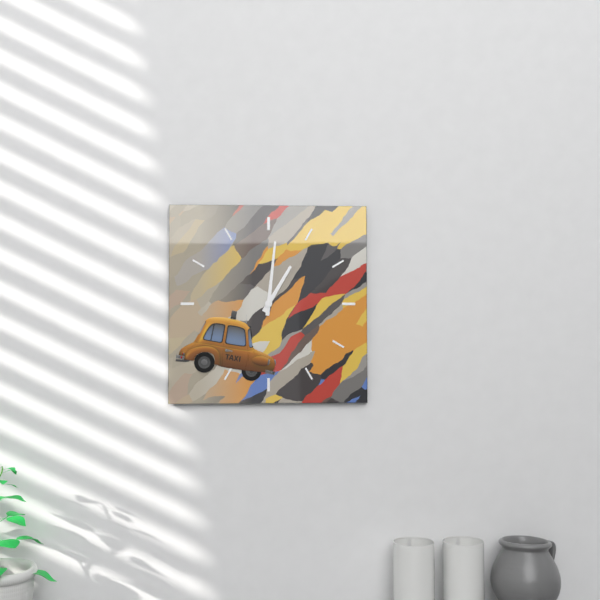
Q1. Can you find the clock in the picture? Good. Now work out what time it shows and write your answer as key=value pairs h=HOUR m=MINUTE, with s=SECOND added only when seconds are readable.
h=1 m=1
